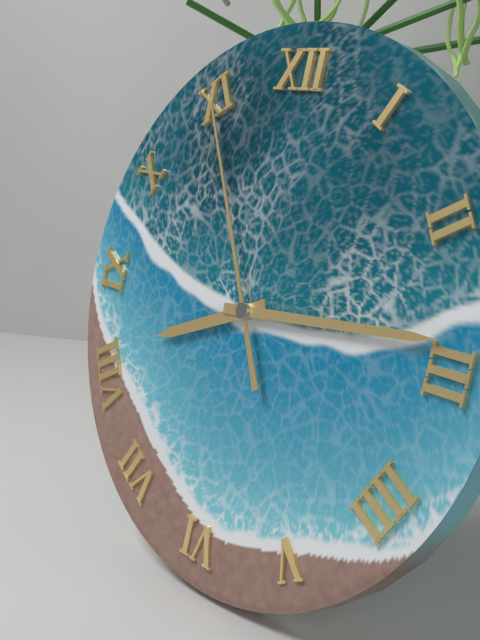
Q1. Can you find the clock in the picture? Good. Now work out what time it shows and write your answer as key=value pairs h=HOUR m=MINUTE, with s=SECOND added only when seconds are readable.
h=8 m=14 s=55
